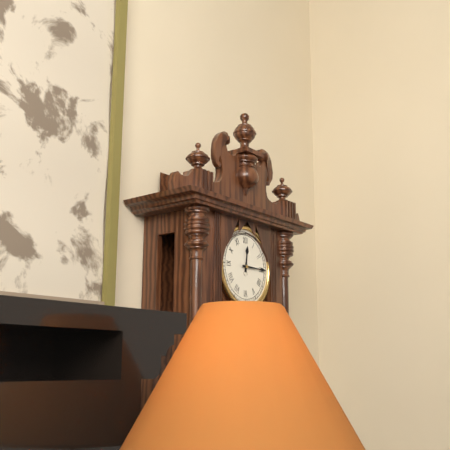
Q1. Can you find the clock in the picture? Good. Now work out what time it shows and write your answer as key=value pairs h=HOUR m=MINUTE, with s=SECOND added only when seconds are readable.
h=12 m=15
